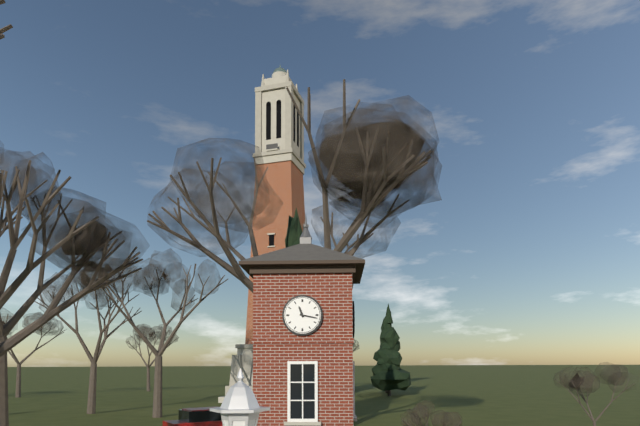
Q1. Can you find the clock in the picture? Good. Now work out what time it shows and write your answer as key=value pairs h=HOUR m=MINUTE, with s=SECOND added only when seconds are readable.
h=11 m=17
